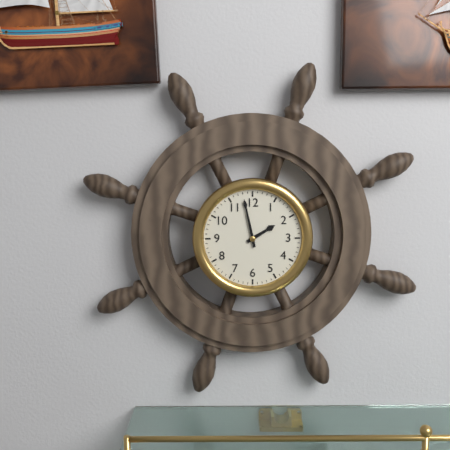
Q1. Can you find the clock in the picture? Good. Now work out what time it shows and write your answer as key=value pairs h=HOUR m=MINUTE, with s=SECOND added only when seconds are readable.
h=1 m=58
